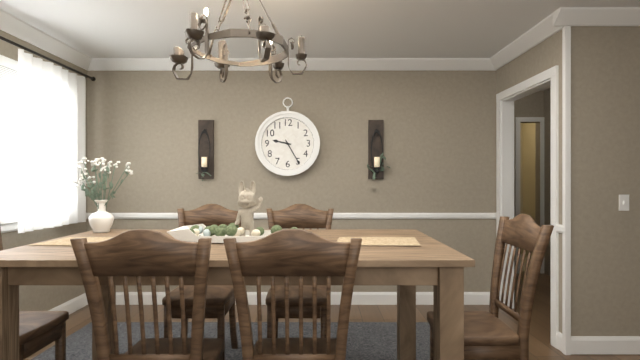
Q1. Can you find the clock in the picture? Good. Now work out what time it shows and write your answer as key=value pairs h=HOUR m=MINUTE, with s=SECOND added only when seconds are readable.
h=9 m=25
